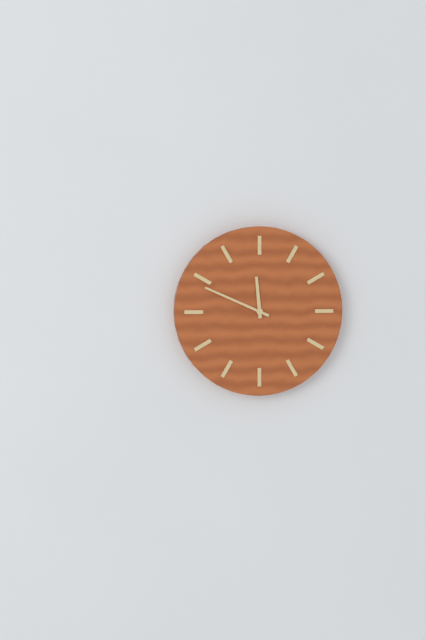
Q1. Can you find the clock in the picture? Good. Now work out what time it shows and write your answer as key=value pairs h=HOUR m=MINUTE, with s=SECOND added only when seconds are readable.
h=11 m=49
